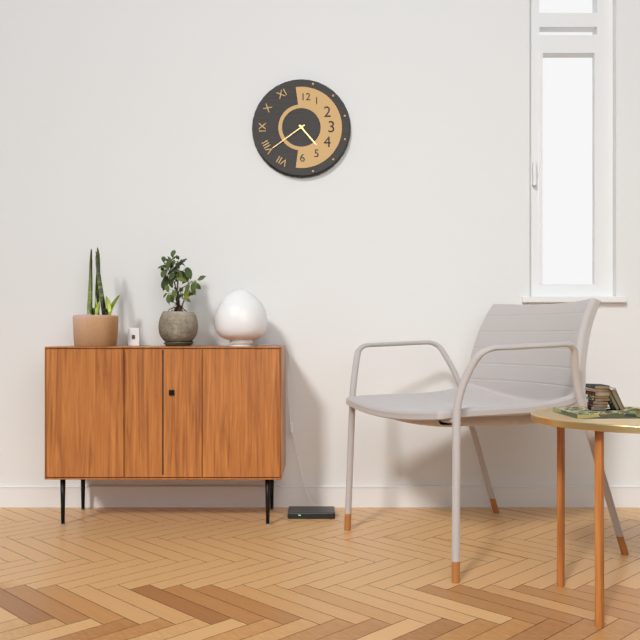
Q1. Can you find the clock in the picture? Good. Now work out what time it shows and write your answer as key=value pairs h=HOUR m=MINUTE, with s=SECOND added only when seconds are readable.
h=4 m=39
